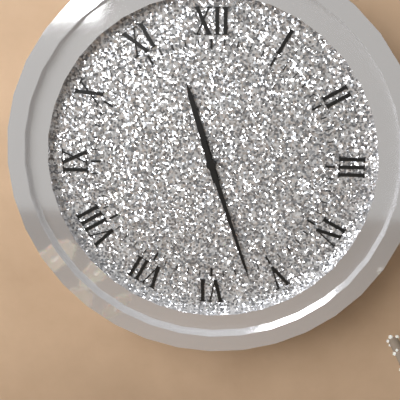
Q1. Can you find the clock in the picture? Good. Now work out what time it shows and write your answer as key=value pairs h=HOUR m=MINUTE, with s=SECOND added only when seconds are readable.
h=11 m=27
